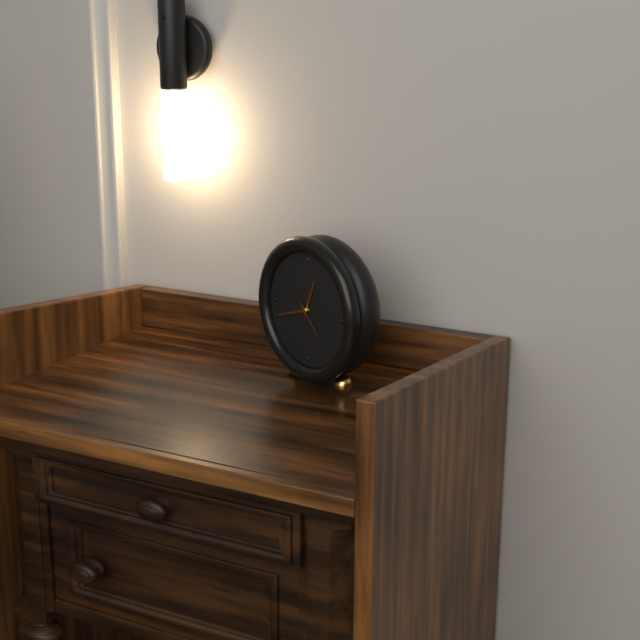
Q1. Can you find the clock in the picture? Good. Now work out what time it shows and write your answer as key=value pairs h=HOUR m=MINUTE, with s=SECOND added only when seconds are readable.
h=12 m=42
